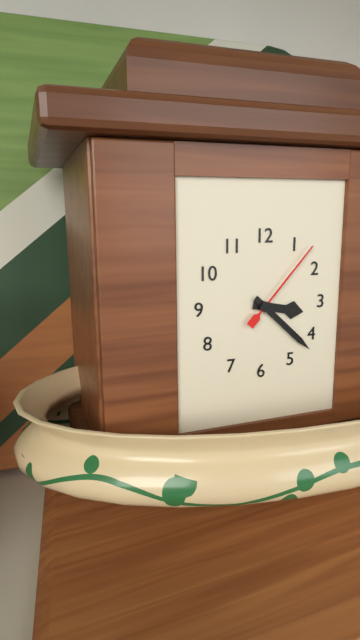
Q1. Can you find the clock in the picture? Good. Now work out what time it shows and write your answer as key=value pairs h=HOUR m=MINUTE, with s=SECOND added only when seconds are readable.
h=3 m=22 s=7
